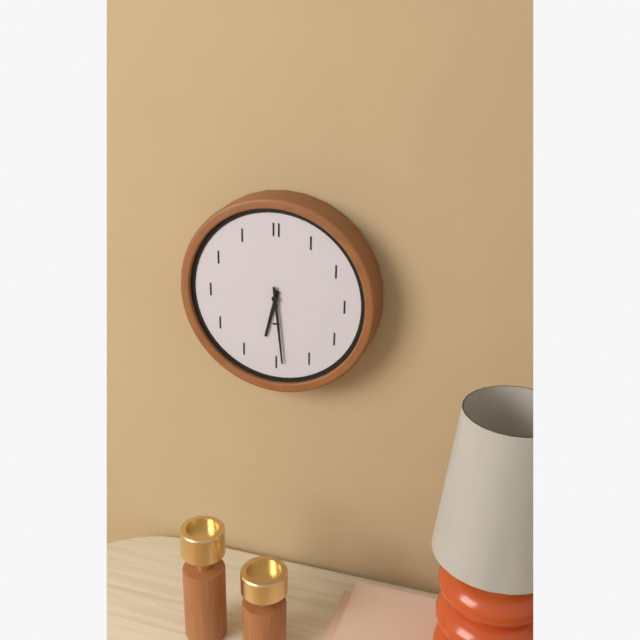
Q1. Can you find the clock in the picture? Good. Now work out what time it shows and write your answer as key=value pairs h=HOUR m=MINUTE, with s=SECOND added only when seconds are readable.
h=6 m=29
